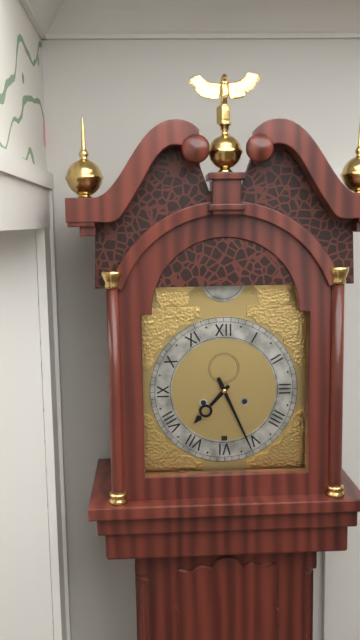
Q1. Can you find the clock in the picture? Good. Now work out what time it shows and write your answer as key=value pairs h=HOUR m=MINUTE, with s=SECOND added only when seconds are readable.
h=7 m=26
